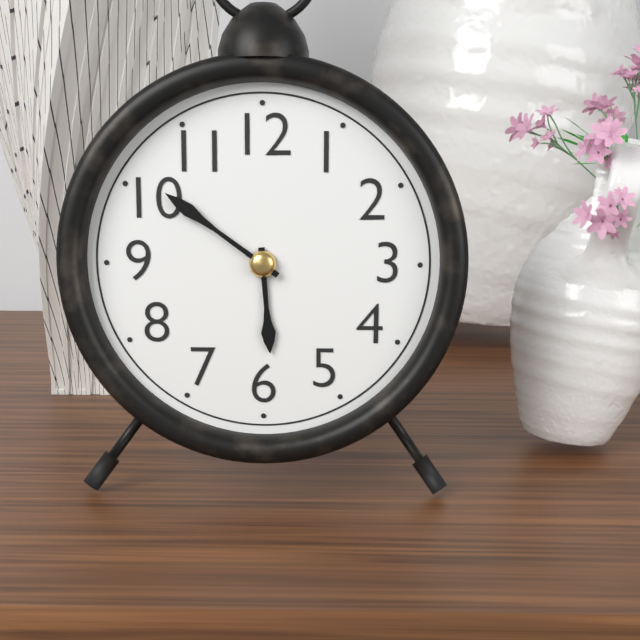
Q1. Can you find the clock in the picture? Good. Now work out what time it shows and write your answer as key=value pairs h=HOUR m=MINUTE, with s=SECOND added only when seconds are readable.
h=5 m=51
